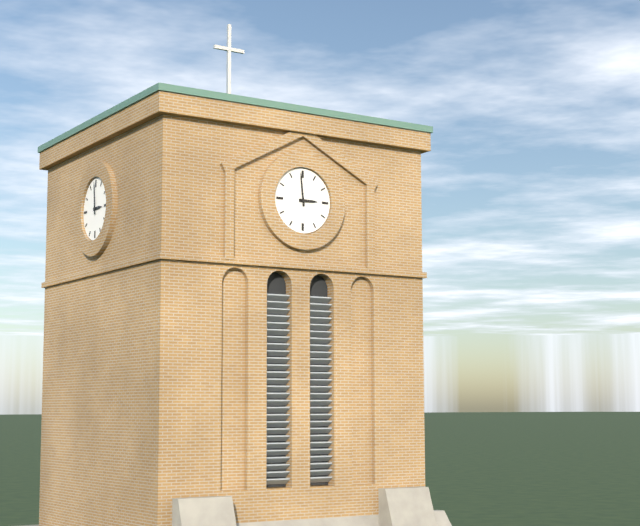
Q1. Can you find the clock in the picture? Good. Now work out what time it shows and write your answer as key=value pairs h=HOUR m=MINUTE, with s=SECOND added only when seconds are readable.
h=2 m=59
